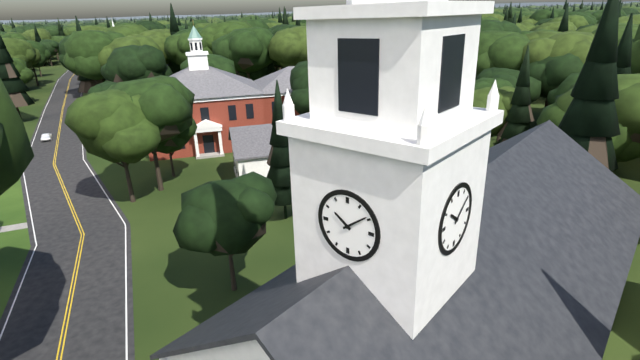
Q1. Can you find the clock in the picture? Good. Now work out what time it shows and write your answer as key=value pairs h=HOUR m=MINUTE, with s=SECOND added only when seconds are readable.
h=10 m=9
